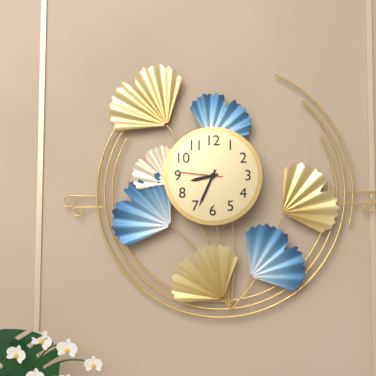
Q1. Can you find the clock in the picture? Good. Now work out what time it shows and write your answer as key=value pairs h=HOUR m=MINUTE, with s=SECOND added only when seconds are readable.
h=8 m=34
